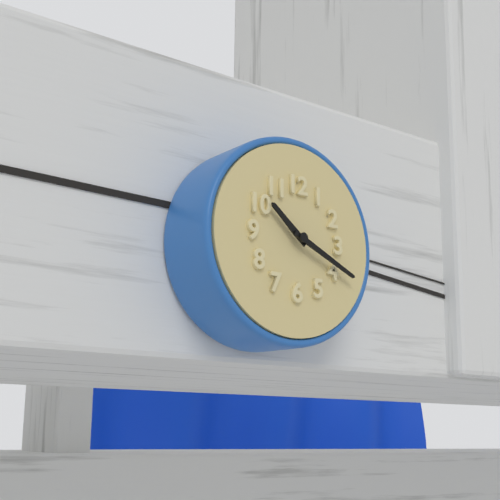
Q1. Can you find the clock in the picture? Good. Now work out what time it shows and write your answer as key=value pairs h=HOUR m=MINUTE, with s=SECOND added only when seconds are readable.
h=10 m=19
